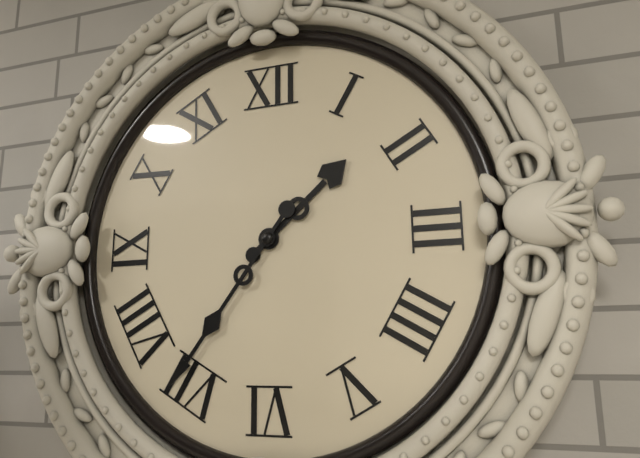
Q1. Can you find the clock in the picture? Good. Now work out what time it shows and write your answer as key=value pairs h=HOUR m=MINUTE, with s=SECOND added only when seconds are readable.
h=1 m=36
